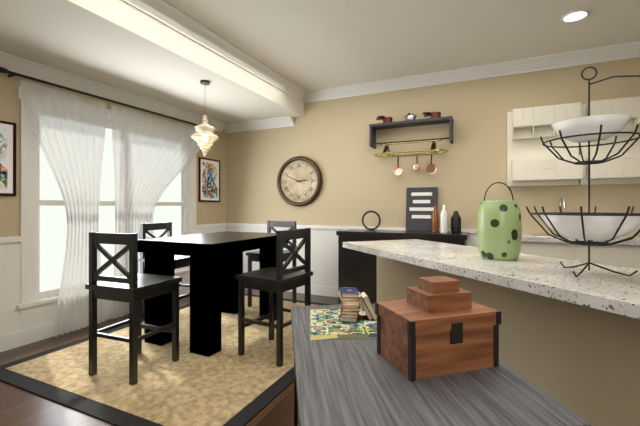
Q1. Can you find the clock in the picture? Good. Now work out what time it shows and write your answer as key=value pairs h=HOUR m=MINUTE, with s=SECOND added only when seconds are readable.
h=2 m=49
